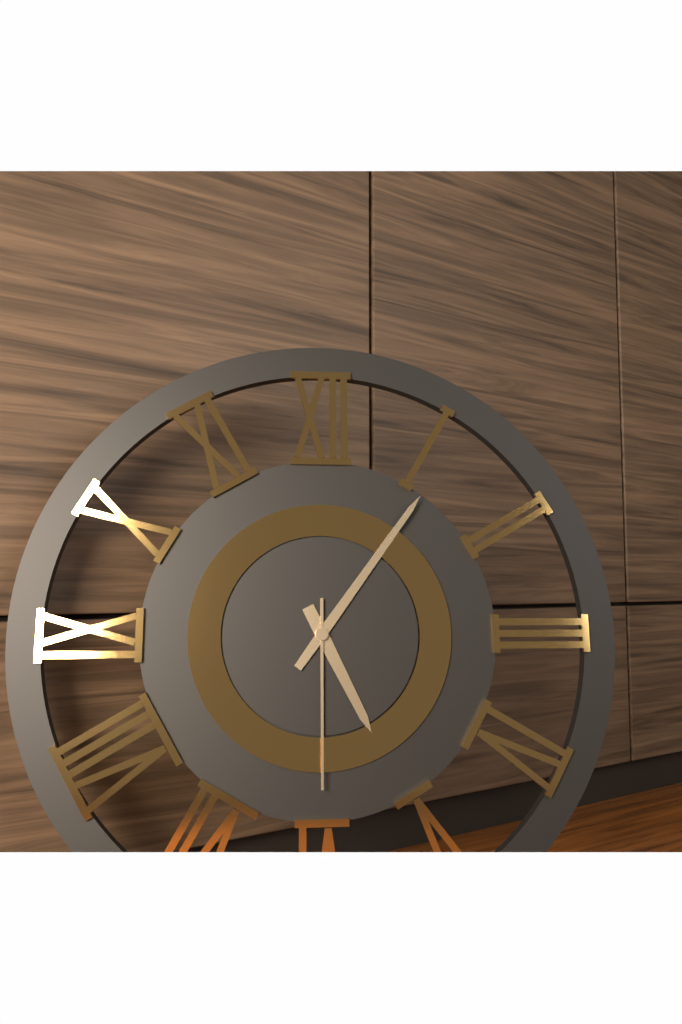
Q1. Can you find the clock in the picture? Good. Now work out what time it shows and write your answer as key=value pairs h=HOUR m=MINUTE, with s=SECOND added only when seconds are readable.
h=5 m=6 s=30
